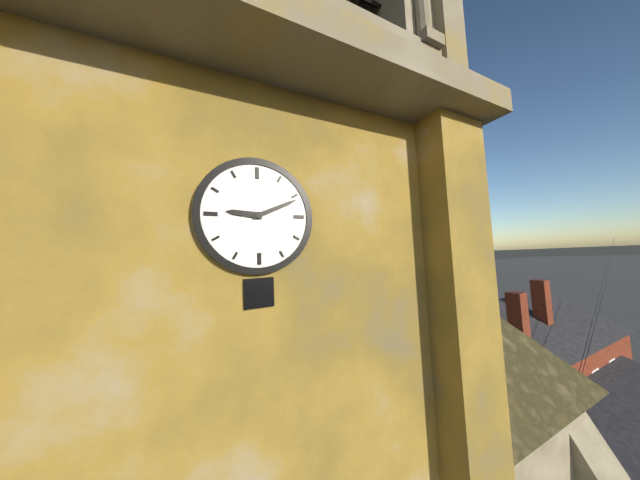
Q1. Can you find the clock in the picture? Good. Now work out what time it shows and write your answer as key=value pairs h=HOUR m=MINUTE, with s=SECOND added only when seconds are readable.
h=9 m=11
